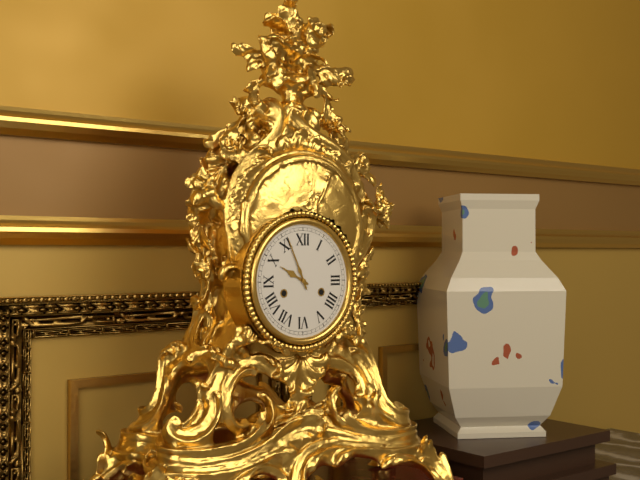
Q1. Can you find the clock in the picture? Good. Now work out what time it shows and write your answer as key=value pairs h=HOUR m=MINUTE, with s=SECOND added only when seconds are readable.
h=9 m=56
